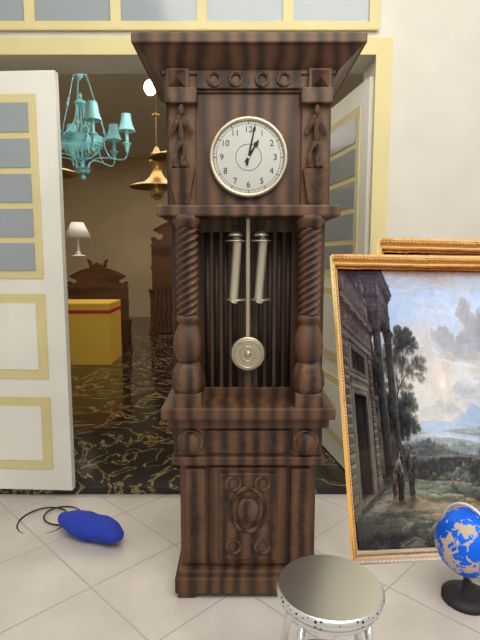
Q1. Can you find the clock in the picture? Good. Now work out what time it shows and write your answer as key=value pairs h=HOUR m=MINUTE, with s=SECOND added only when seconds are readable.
h=1 m=2
